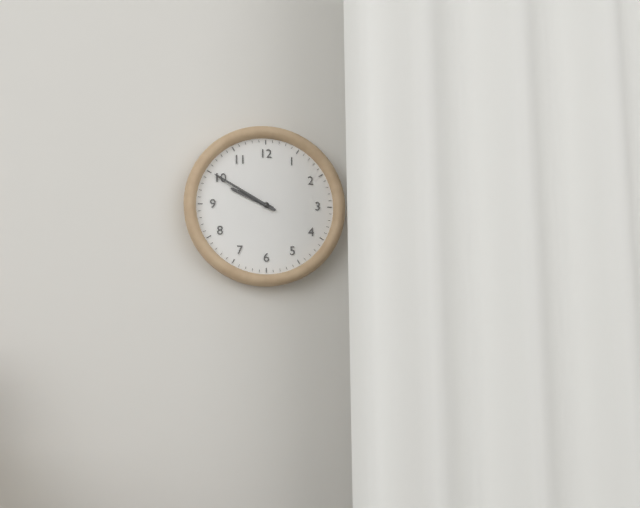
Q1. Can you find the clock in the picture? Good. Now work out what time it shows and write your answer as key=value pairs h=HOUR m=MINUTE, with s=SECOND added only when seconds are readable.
h=9 m=50
